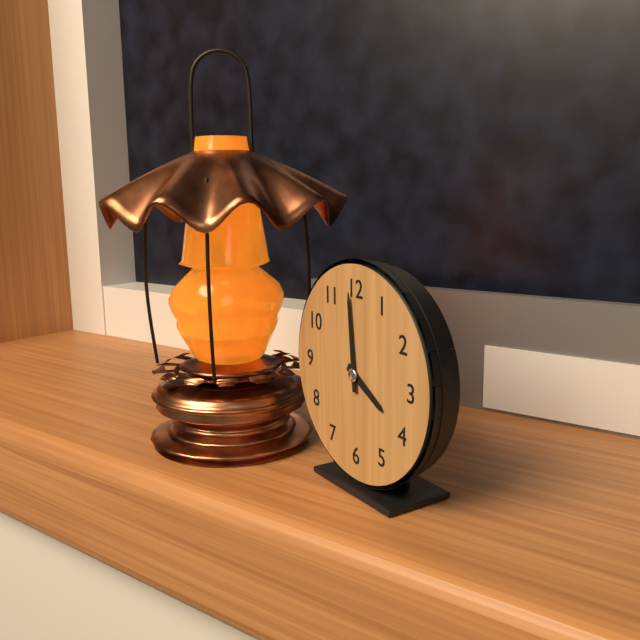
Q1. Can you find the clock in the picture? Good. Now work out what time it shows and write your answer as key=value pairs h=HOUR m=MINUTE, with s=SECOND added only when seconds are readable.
h=3 m=59
